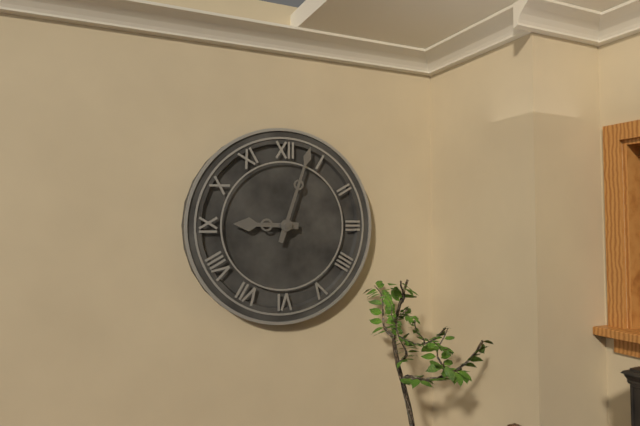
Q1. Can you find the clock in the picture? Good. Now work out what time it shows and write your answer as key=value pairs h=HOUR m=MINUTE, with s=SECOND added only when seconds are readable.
h=9 m=3
